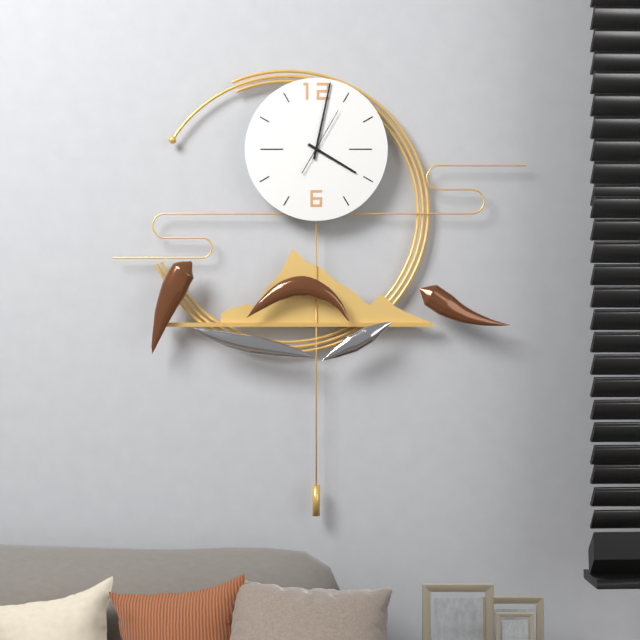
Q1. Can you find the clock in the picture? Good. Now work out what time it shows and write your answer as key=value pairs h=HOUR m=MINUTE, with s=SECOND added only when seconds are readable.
h=4 m=2 s=5
